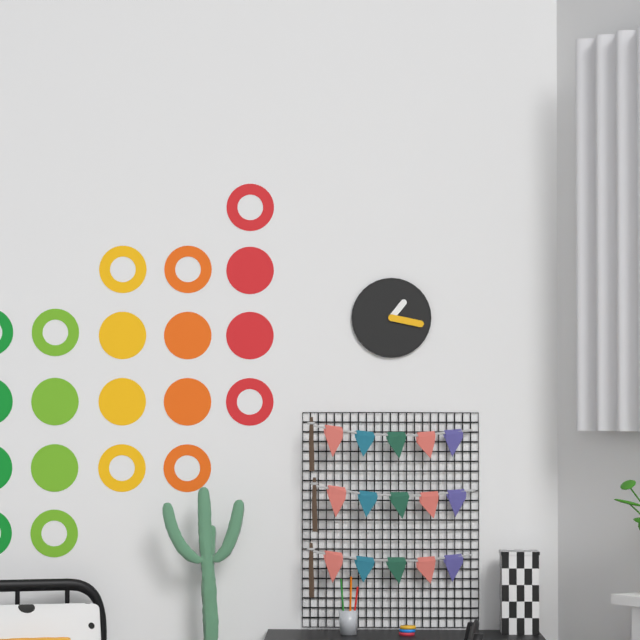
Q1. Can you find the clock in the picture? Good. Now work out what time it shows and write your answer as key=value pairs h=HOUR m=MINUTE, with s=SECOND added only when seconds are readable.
h=1 m=17
